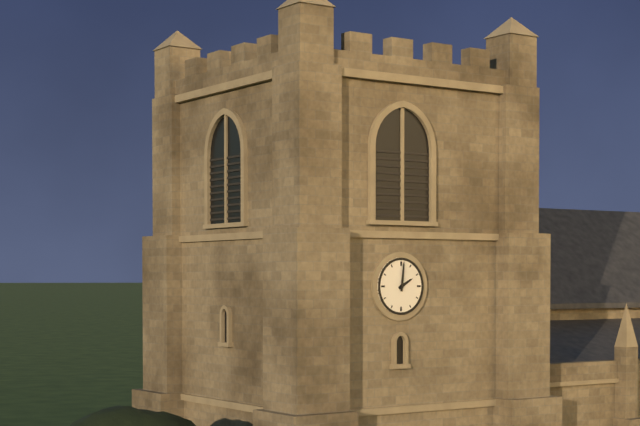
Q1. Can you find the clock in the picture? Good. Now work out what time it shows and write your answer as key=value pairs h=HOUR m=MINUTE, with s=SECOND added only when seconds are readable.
h=2 m=1
